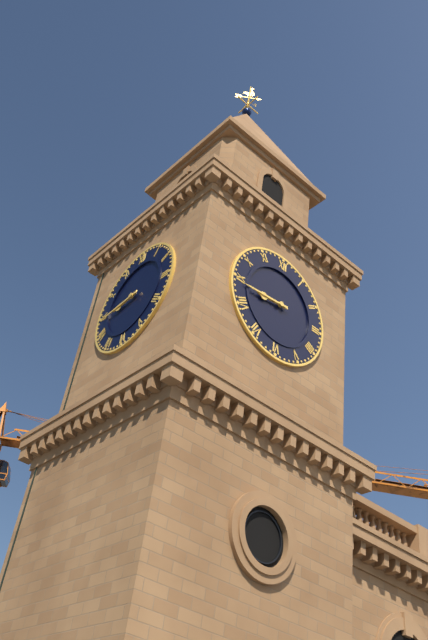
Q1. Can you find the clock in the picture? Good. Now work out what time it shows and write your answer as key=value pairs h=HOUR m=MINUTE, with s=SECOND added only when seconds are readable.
h=8 m=44
